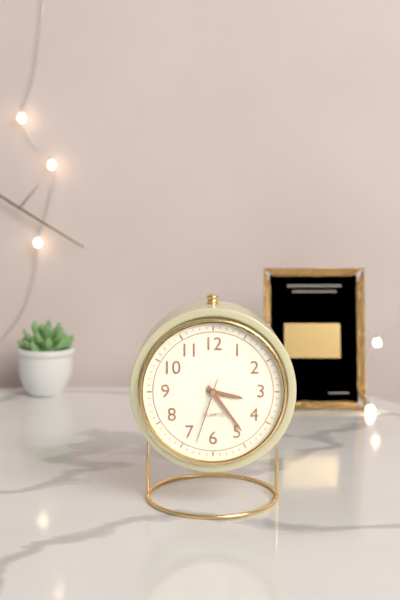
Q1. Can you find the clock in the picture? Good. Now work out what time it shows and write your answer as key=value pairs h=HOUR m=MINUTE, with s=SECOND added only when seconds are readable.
h=3 m=24 s=33
